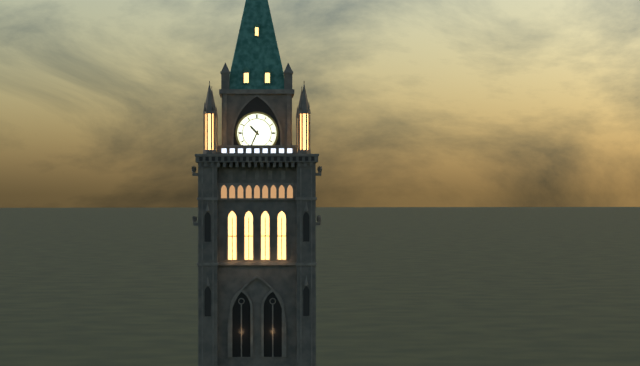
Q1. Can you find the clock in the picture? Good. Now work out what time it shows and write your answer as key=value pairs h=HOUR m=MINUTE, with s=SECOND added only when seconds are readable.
h=10 m=34
